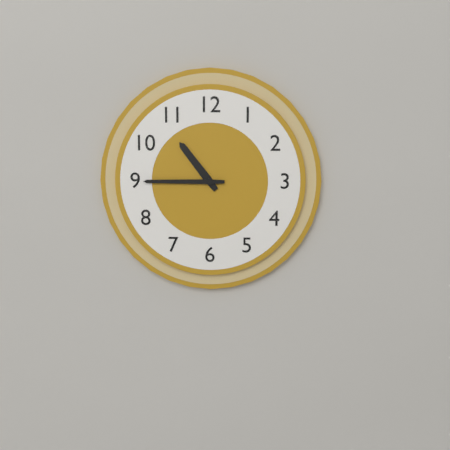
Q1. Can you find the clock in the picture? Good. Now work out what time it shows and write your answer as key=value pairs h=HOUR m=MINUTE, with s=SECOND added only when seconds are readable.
h=10 m=45
